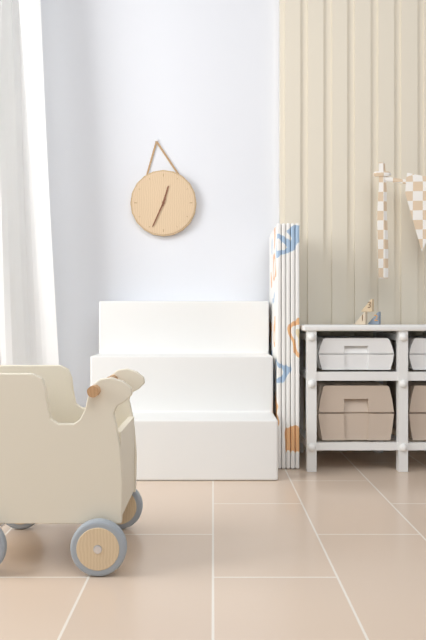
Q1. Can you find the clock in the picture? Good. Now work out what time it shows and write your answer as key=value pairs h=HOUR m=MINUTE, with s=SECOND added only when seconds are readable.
h=12 m=34
